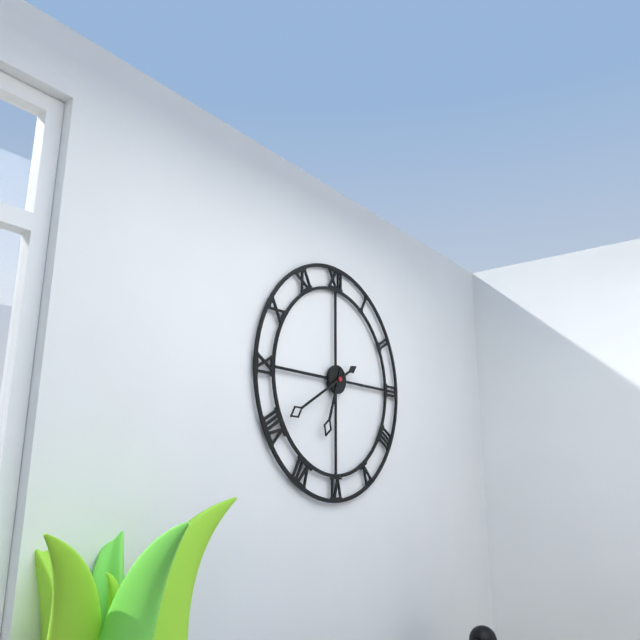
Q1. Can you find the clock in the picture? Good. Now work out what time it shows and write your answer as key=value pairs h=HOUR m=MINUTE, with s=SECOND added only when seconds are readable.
h=6 m=40
